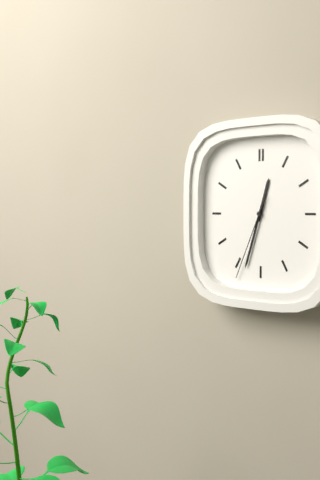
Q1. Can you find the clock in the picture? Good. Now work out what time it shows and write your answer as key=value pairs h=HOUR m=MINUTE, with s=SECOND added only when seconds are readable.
h=12 m=33 s=34
